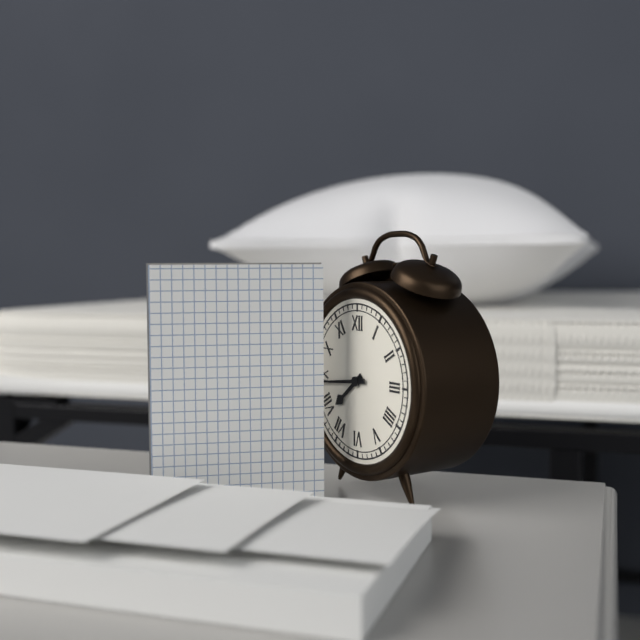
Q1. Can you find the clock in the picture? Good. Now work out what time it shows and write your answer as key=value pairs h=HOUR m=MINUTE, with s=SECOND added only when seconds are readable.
h=7 m=44
